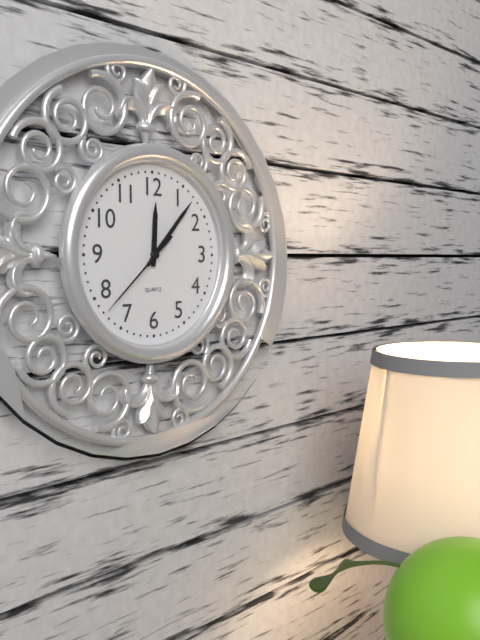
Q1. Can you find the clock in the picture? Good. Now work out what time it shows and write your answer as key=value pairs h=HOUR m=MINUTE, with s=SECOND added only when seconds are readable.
h=12 m=7 s=38
